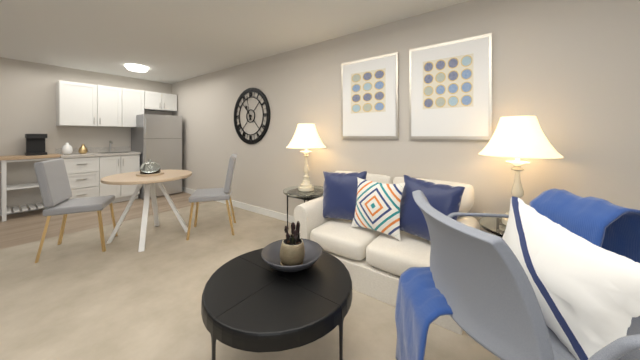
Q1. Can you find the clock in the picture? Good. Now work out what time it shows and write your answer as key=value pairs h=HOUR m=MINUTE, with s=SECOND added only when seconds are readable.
h=10 m=58
